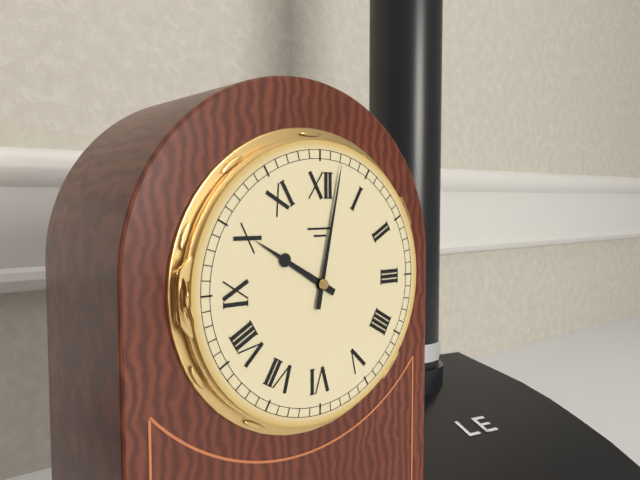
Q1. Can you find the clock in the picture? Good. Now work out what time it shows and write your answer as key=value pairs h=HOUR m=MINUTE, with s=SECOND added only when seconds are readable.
h=10 m=2
